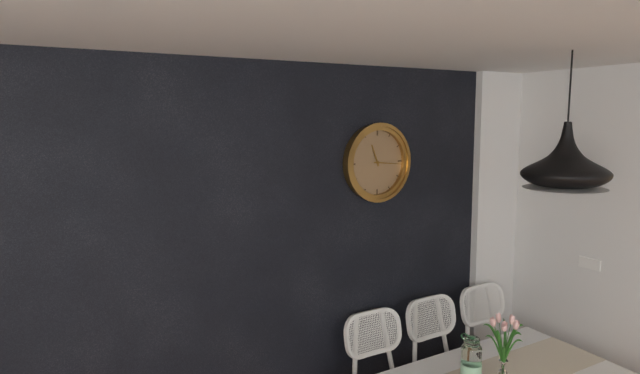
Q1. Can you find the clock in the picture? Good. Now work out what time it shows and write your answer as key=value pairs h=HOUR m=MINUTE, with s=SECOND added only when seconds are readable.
h=11 m=16
